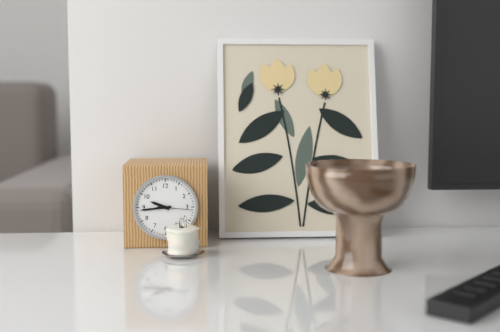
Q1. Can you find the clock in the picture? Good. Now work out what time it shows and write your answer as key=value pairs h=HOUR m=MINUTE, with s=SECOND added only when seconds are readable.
h=9 m=44
